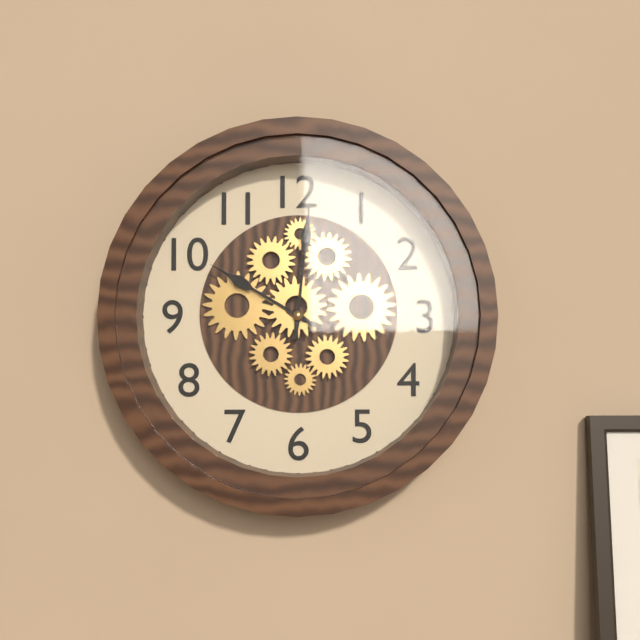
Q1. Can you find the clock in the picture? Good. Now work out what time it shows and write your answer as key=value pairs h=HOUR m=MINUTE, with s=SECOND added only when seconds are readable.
h=10 m=1
